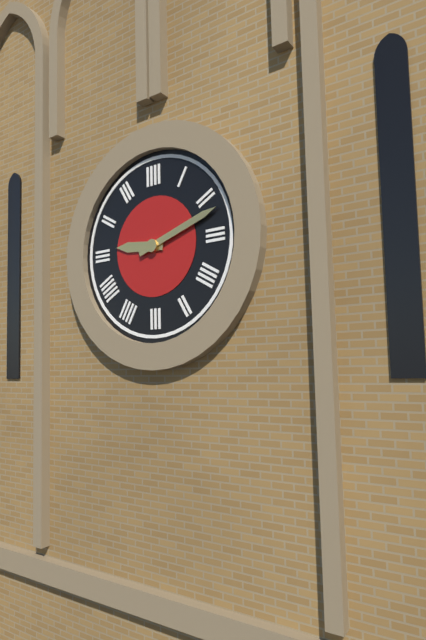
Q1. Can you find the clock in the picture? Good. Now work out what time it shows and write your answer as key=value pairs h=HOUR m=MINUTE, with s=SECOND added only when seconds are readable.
h=9 m=12
